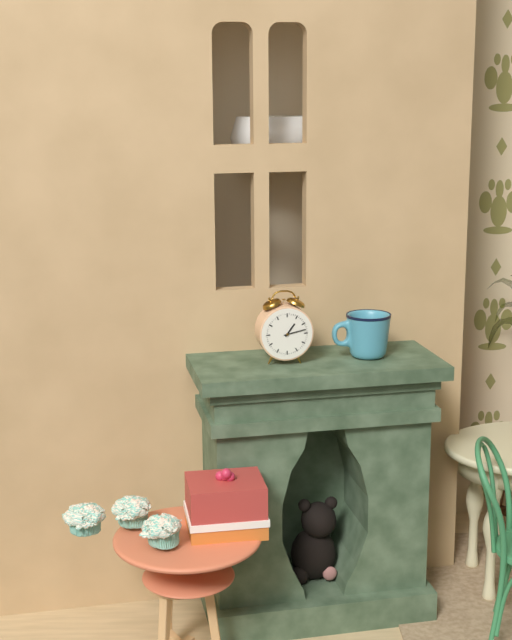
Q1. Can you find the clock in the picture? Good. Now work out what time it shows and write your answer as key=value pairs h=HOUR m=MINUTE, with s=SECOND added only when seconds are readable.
h=1 m=13
